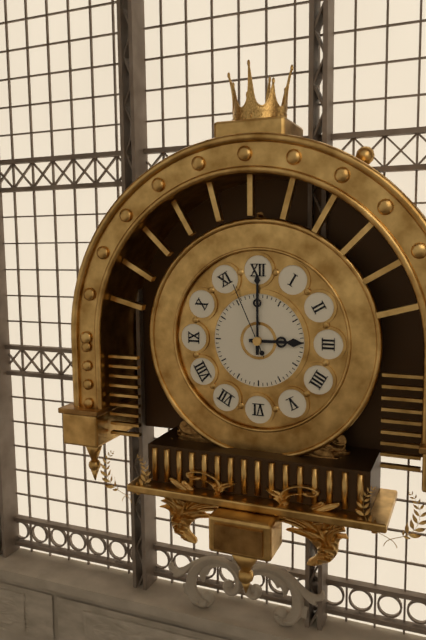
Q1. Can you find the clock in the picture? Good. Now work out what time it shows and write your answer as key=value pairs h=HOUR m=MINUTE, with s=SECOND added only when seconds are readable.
h=3 m=0 s=56
